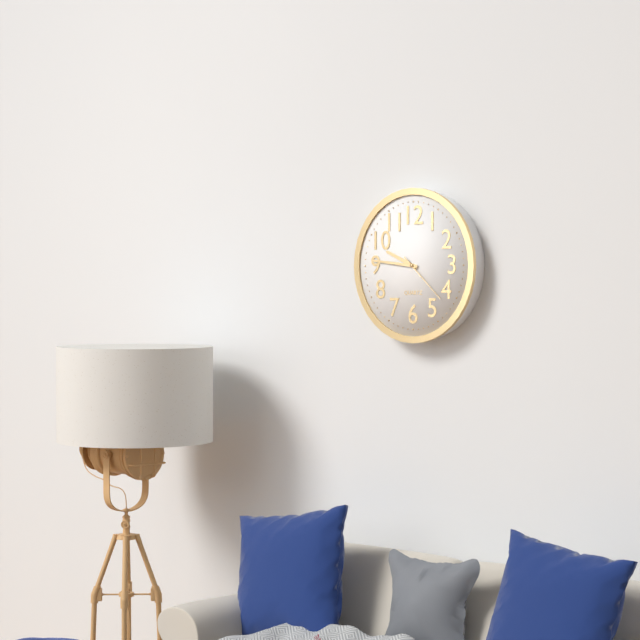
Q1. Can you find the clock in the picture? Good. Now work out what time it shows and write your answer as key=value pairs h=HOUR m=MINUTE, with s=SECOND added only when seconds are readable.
h=9 m=46 s=22
